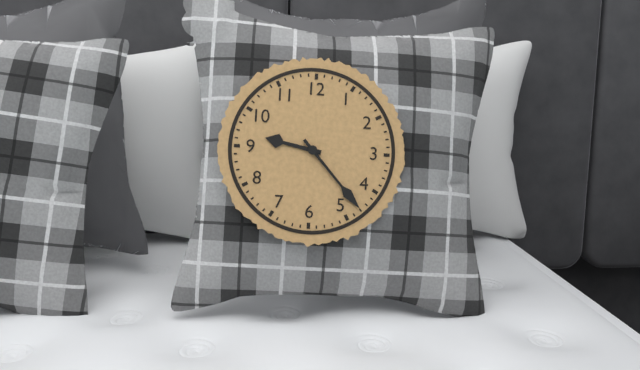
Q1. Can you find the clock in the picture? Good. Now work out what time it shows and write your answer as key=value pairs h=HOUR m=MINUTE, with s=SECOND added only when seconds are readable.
h=9 m=23
